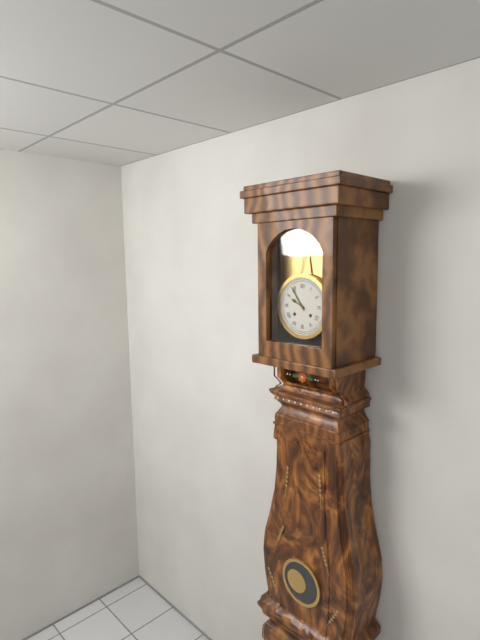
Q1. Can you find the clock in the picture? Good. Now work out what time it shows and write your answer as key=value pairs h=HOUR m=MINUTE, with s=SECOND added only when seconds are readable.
h=9 m=54
